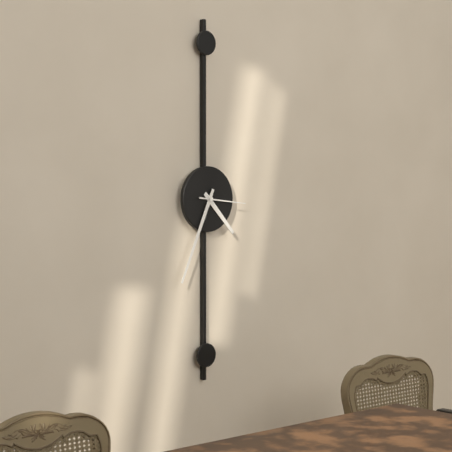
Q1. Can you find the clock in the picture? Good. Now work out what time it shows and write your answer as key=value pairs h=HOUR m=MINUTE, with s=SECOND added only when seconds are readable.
h=4 m=34
